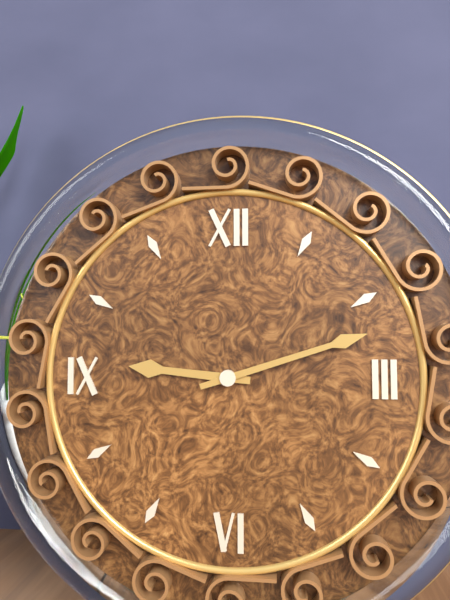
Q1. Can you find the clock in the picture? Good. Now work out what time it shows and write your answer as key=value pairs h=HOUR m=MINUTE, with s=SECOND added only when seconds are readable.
h=9 m=12
